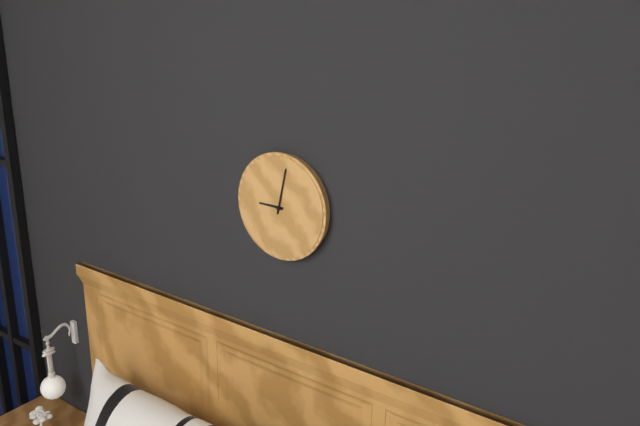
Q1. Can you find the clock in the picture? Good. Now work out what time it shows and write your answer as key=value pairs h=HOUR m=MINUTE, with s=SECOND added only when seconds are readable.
h=9 m=2
